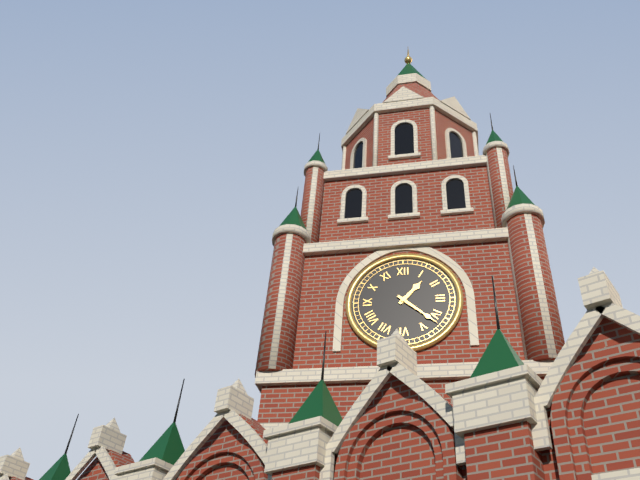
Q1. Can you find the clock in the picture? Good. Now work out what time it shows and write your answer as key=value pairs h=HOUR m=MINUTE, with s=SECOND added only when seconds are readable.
h=1 m=22
